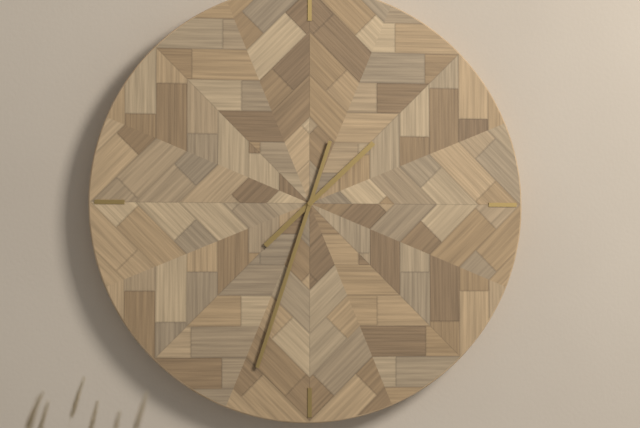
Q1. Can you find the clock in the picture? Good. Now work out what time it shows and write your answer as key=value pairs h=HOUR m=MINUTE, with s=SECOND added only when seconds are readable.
h=1 m=33
